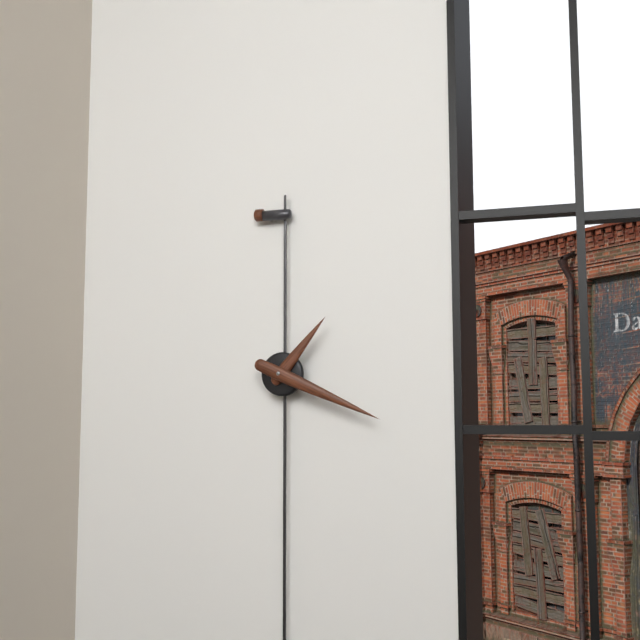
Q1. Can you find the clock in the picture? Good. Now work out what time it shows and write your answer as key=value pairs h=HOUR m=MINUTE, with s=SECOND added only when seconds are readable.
h=1 m=19
